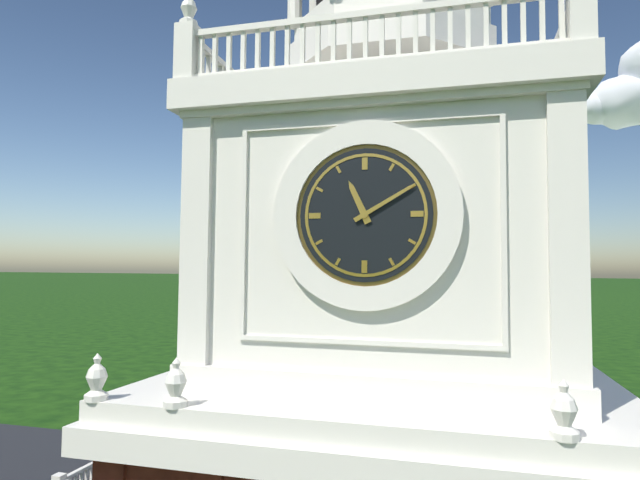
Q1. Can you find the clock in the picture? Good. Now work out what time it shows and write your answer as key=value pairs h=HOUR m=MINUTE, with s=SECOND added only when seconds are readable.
h=11 m=10
